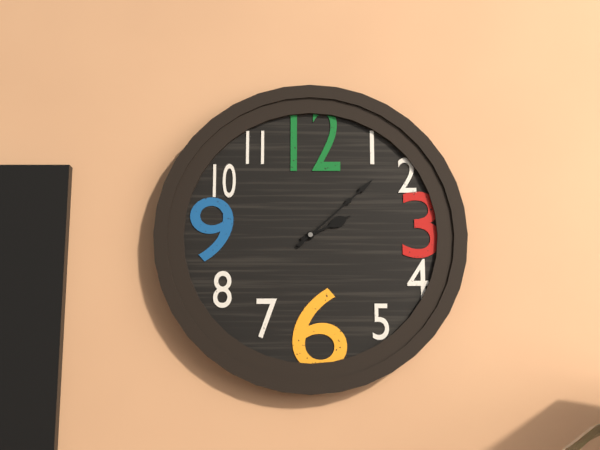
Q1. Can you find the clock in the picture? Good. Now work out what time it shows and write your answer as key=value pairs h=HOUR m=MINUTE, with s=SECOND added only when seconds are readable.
h=2 m=8
